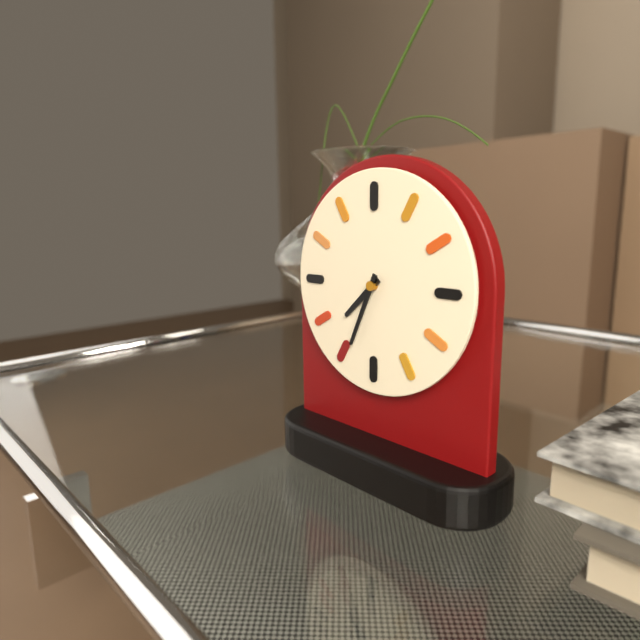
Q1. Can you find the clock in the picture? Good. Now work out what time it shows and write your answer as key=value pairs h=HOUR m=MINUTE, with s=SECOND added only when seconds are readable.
h=7 m=34
